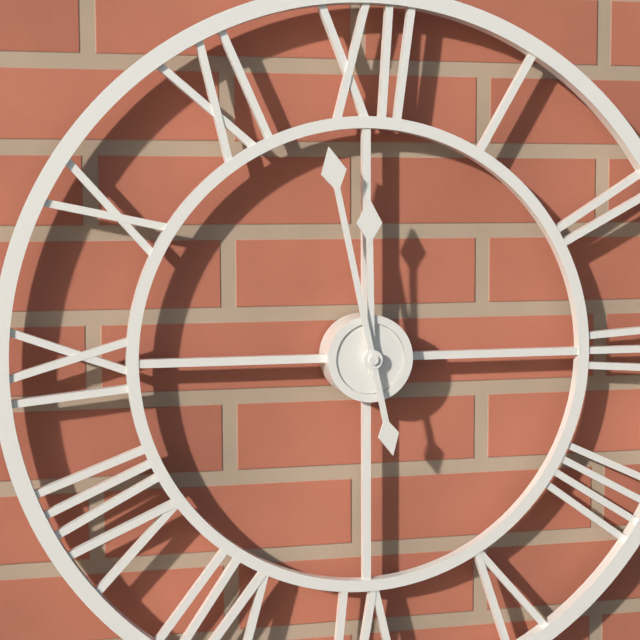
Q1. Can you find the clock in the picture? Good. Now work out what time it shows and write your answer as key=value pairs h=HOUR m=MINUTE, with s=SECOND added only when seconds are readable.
h=11 m=58
